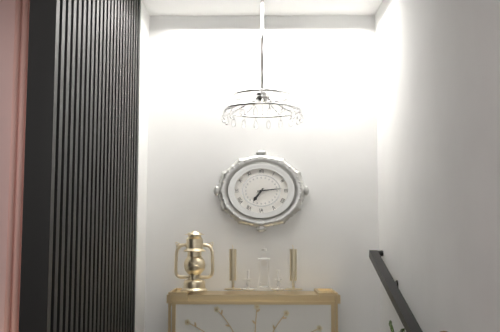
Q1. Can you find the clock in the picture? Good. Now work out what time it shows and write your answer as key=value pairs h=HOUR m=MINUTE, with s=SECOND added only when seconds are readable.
h=7 m=14
